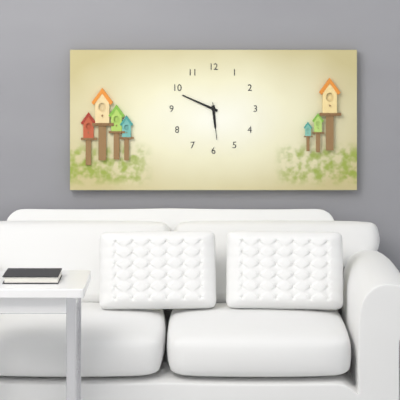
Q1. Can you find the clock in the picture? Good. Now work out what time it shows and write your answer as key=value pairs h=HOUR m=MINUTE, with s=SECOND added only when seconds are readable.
h=5 m=49
